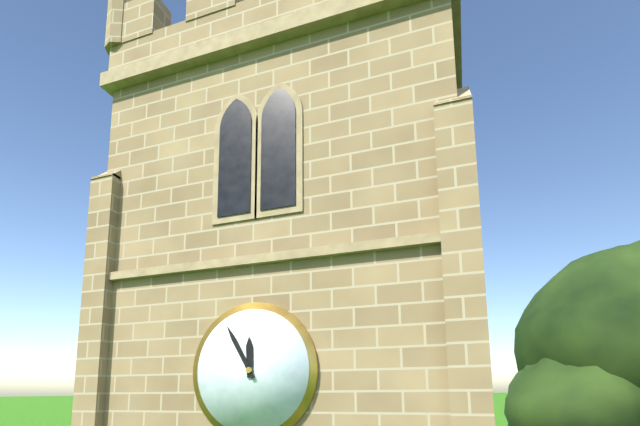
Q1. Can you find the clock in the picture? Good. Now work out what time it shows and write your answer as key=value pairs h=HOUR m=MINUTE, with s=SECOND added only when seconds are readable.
h=11 m=55
